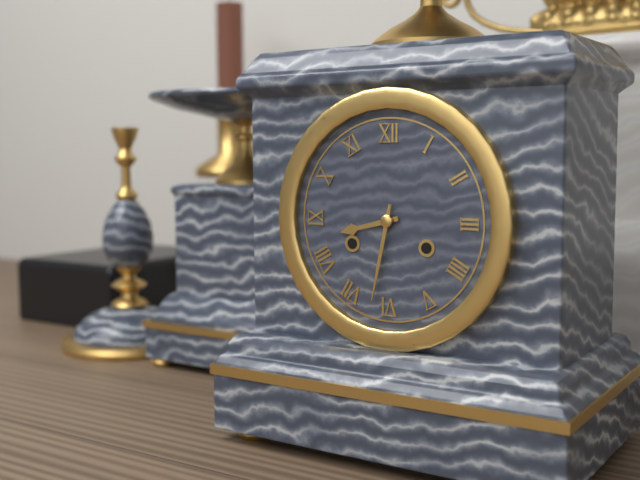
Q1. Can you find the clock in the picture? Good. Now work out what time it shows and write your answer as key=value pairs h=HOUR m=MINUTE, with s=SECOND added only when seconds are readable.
h=8 m=32
